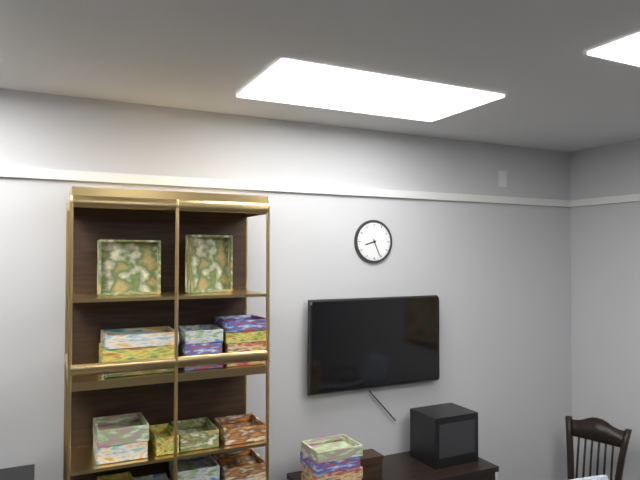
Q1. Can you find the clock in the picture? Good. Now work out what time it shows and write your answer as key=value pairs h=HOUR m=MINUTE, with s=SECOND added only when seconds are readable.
h=8 m=26
